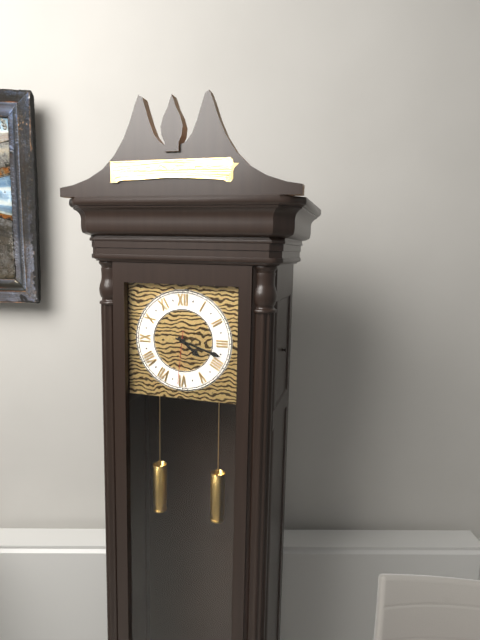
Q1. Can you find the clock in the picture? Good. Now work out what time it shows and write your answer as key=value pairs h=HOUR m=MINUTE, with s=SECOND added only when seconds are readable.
h=4 m=18 s=31
